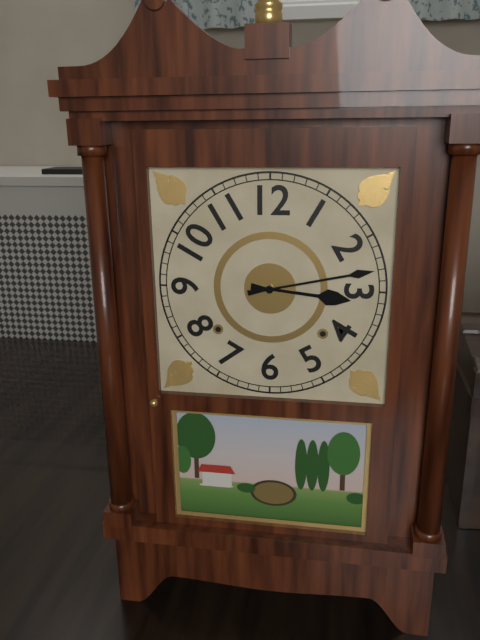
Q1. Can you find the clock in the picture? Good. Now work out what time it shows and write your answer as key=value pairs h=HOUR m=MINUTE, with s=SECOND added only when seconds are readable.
h=3 m=13
